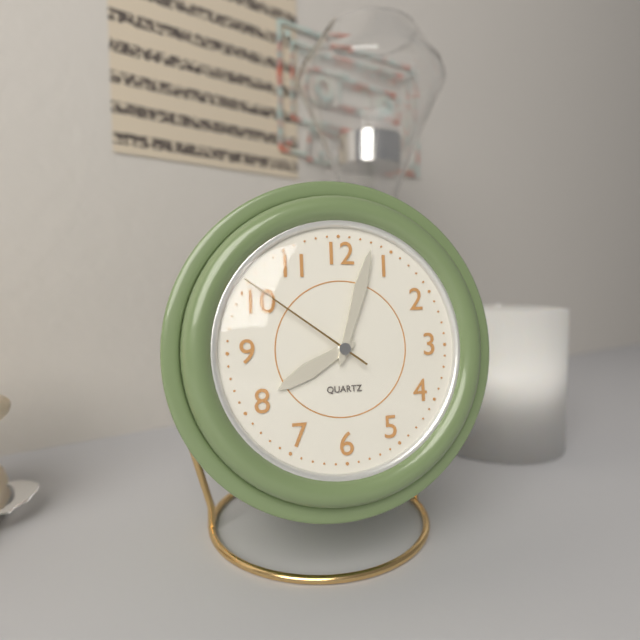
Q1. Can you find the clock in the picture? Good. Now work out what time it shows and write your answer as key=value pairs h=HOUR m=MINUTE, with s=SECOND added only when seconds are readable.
h=8 m=3 s=51
